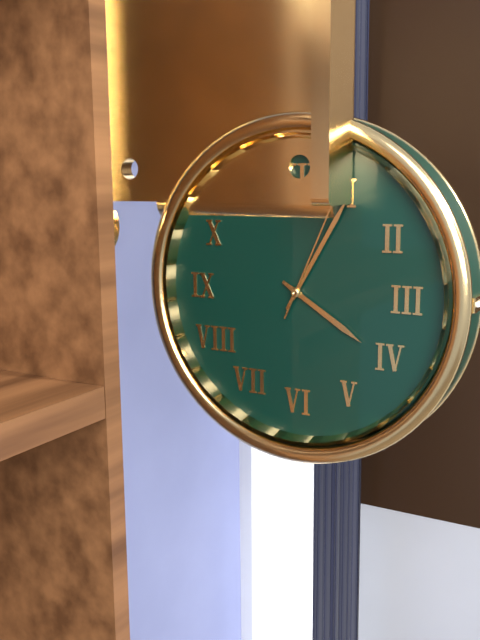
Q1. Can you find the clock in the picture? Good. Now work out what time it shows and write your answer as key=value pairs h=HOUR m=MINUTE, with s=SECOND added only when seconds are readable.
h=4 m=5 s=4
